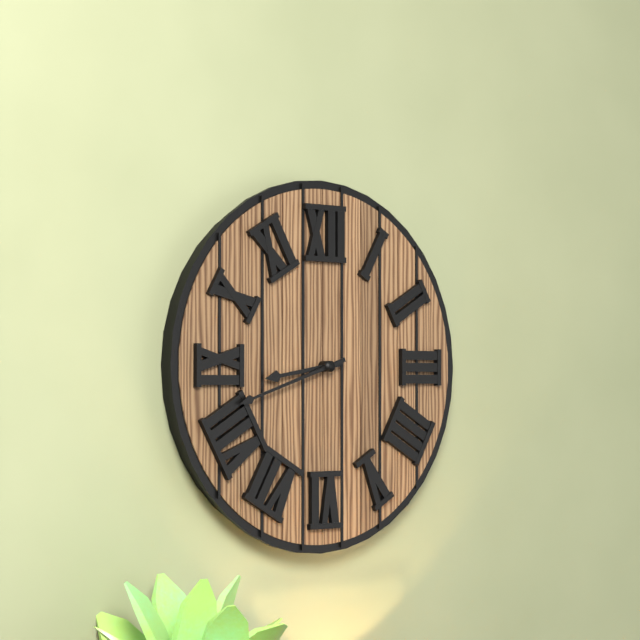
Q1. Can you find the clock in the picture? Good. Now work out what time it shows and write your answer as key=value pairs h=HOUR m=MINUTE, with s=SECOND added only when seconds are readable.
h=8 m=42
